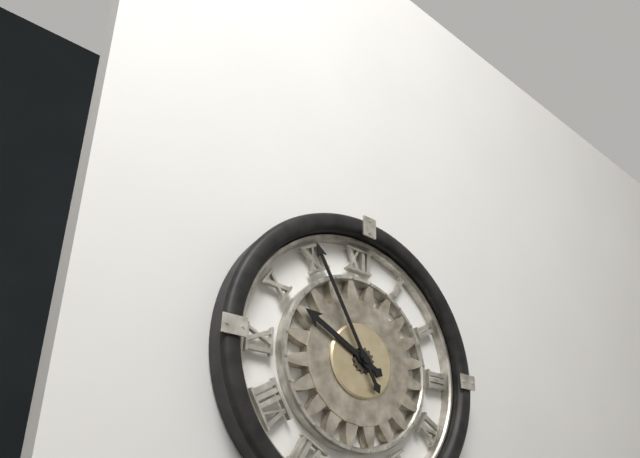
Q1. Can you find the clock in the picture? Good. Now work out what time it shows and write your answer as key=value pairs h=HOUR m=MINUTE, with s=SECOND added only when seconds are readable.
h=9 m=55
